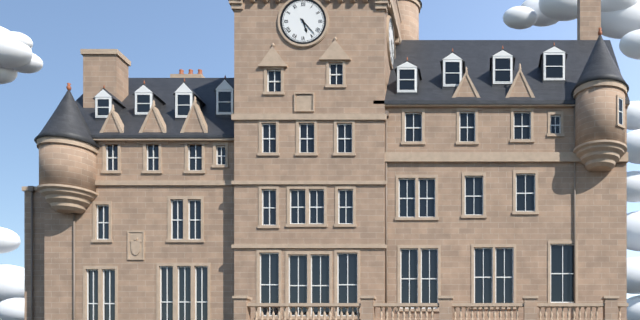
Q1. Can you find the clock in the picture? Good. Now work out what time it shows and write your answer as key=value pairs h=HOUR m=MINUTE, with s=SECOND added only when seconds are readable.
h=5 m=23
